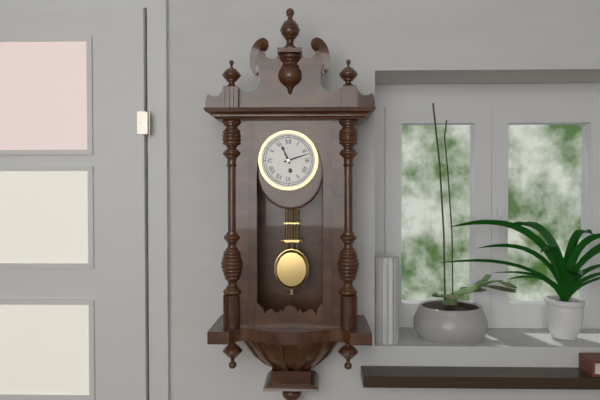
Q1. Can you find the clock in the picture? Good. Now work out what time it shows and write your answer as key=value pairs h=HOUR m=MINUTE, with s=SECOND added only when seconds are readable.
h=11 m=12
